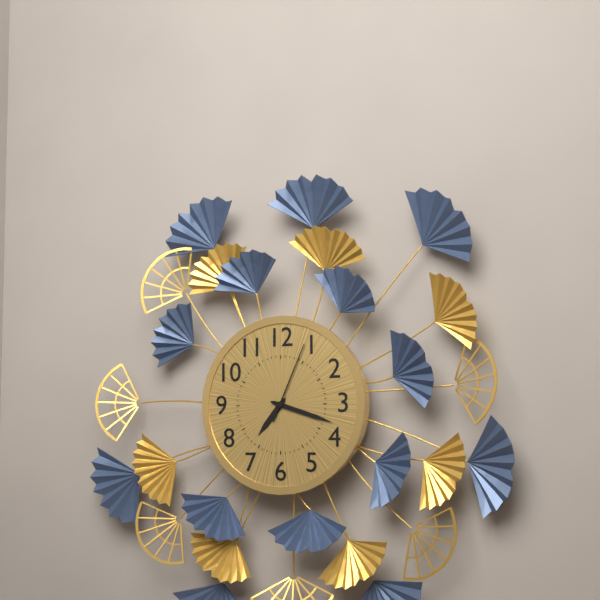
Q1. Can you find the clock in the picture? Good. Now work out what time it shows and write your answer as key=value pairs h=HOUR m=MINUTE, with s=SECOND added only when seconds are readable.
h=7 m=18 s=4
